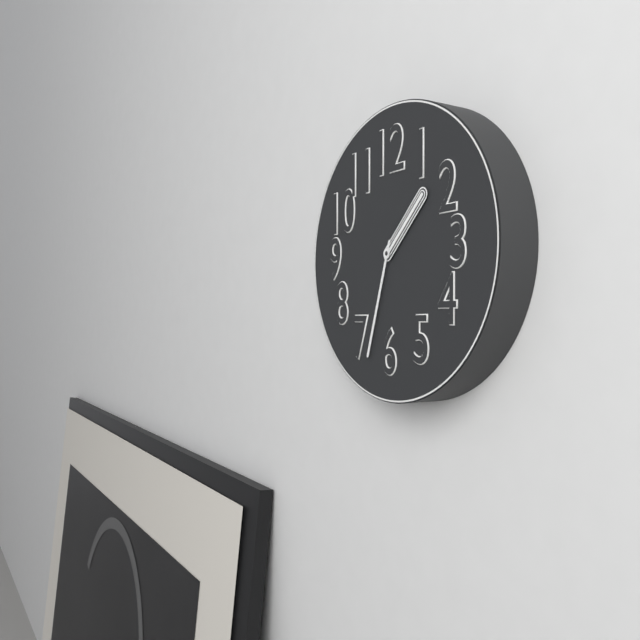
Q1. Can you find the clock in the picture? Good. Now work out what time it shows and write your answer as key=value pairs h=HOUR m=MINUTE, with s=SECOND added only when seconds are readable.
h=1 m=33
